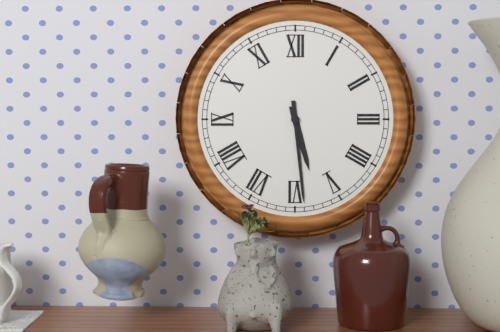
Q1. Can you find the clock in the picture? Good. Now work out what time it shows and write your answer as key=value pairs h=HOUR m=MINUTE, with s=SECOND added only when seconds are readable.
h=5 m=29
